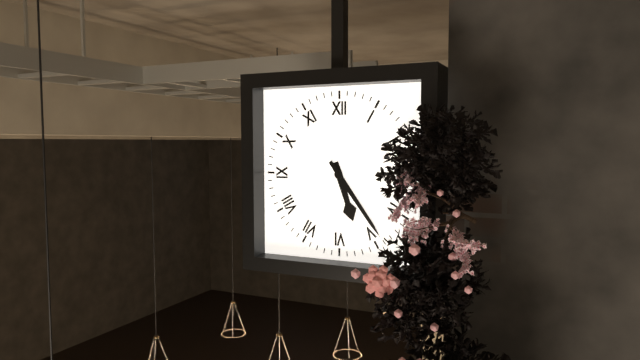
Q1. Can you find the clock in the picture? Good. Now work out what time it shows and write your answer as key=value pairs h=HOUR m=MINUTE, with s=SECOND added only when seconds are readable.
h=5 m=24
